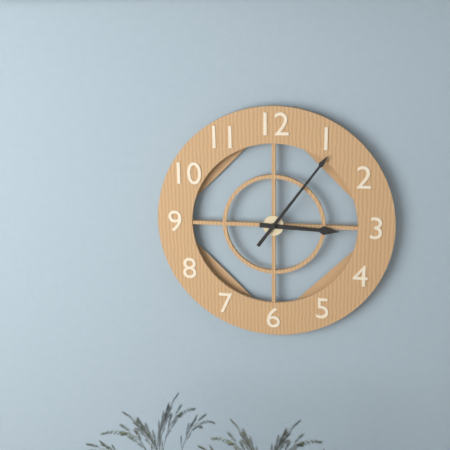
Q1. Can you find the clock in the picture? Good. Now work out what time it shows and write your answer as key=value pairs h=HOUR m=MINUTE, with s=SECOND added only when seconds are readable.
h=3 m=6
